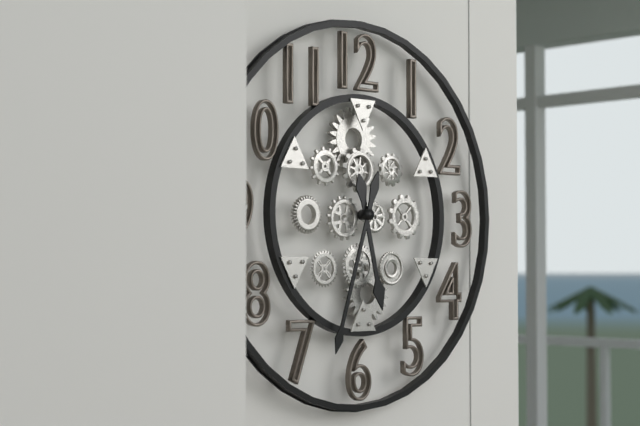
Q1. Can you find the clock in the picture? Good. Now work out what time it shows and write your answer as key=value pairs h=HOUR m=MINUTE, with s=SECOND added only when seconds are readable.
h=5 m=33
